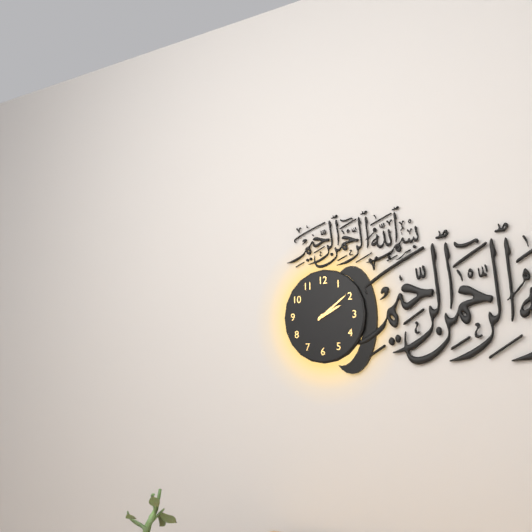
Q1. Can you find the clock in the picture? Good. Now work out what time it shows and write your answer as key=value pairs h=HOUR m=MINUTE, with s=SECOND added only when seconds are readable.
h=2 m=9
